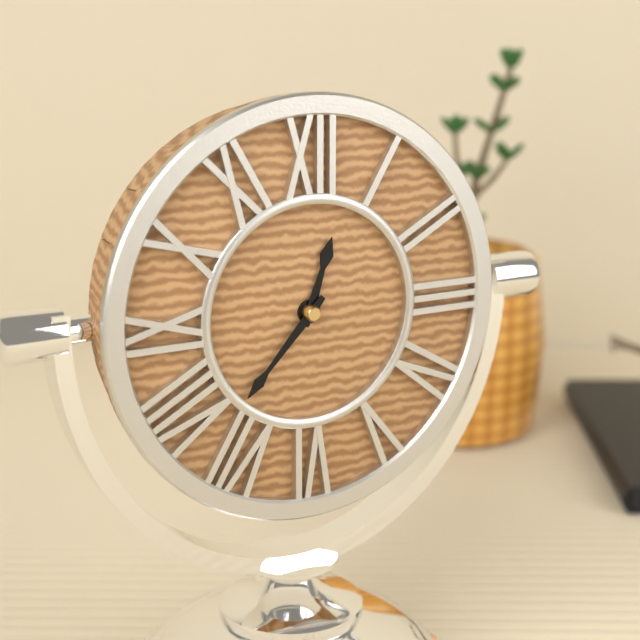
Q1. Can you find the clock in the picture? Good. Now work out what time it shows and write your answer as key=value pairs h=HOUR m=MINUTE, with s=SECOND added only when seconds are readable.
h=12 m=37
